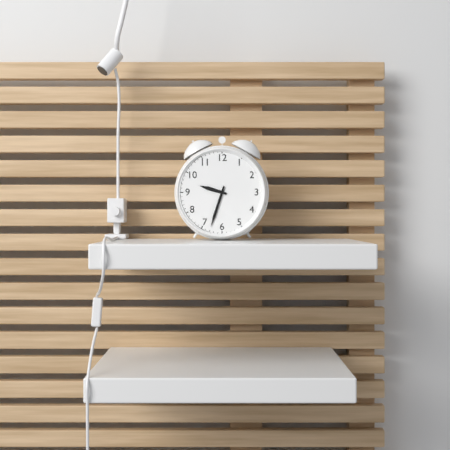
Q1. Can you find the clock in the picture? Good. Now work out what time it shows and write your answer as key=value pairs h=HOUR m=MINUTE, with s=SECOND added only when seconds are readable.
h=9 m=33
